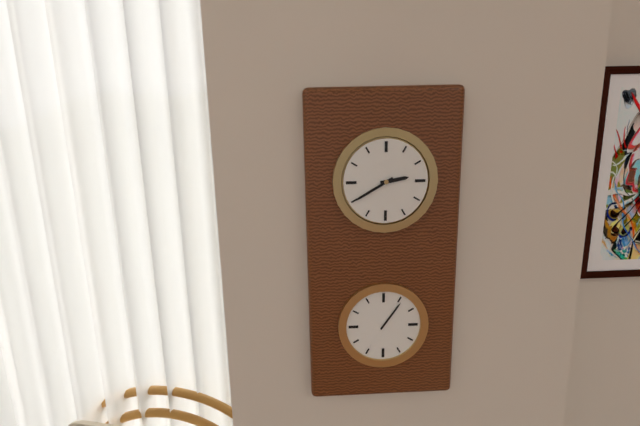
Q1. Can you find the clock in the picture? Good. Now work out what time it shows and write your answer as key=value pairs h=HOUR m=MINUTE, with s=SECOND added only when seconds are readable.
h=2 m=40
